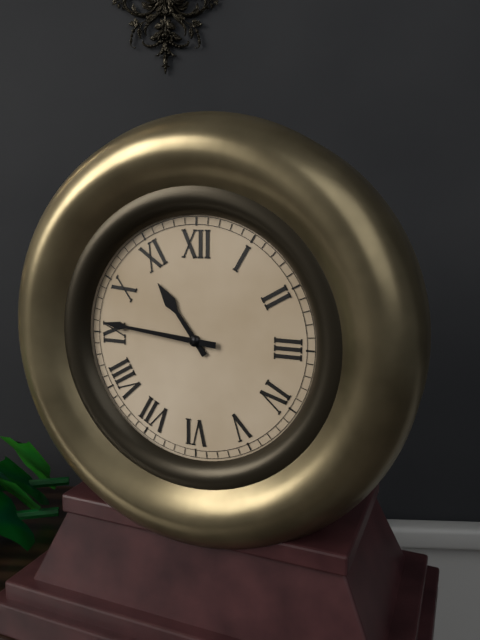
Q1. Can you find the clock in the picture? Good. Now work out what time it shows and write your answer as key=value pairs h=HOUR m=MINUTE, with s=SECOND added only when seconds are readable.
h=10 m=46
